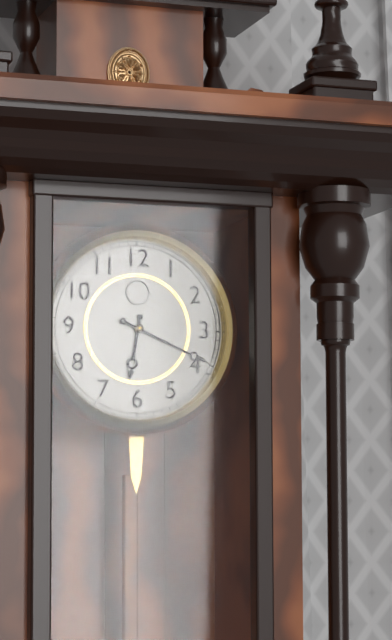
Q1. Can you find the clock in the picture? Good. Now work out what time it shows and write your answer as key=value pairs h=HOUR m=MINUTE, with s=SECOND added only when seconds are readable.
h=6 m=19
